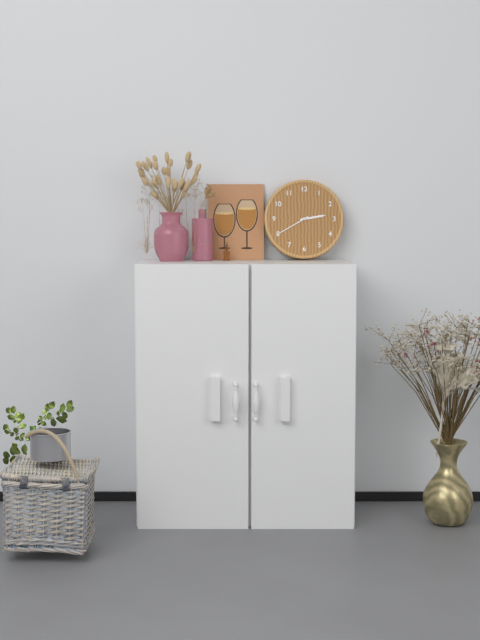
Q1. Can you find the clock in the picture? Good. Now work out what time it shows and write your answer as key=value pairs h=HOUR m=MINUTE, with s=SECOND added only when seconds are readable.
h=2 m=40
